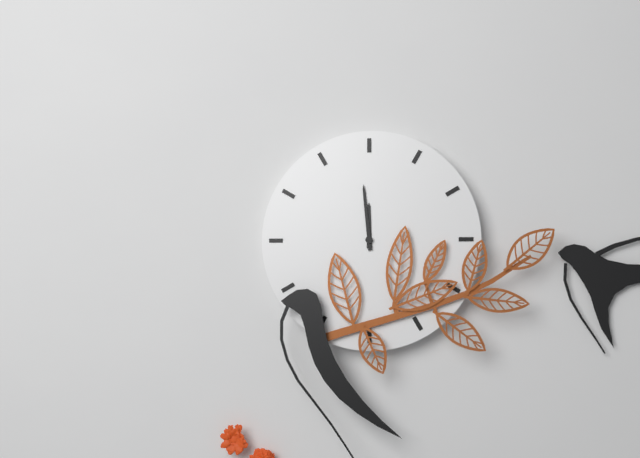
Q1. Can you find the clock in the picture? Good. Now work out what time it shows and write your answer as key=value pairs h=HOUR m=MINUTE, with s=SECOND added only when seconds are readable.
h=11 m=59
